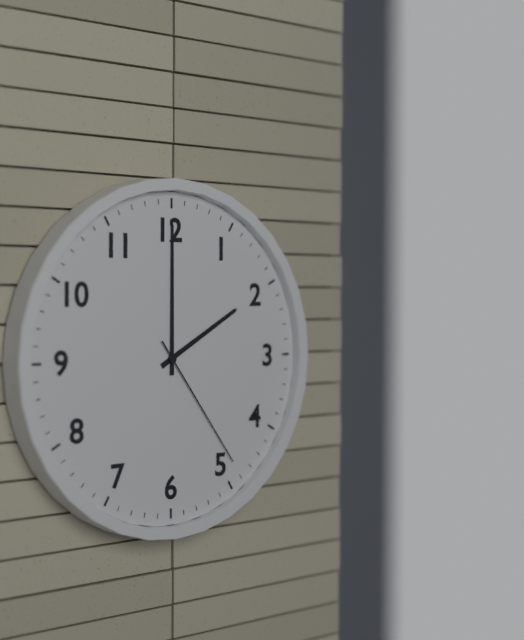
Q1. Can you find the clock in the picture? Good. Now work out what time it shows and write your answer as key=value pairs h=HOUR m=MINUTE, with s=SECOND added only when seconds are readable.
h=2 m=0 s=24
